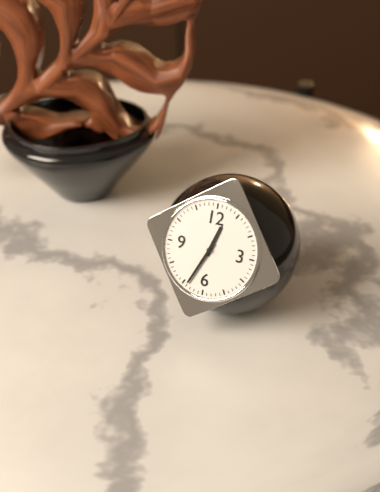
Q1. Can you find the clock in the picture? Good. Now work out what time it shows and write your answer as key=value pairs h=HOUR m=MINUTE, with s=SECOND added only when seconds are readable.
h=12 m=34
